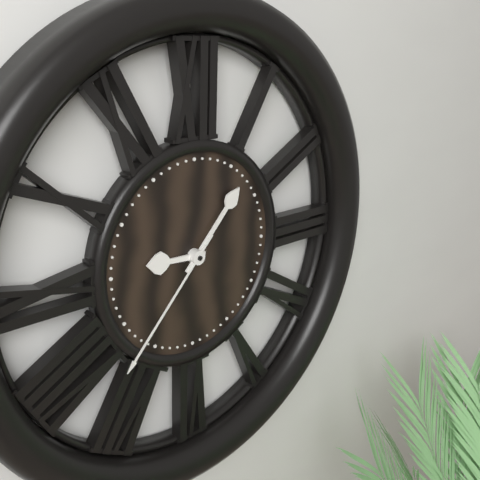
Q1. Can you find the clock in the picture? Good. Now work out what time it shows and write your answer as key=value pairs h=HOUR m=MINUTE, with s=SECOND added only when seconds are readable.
h=9 m=7 s=37
